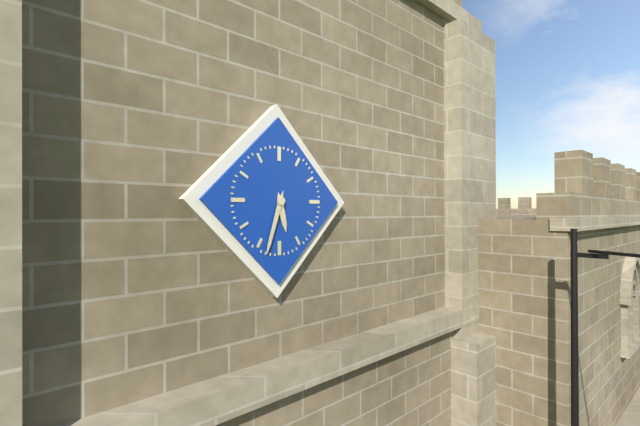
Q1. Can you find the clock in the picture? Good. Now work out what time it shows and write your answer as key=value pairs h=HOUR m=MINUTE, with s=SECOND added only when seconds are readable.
h=5 m=33
